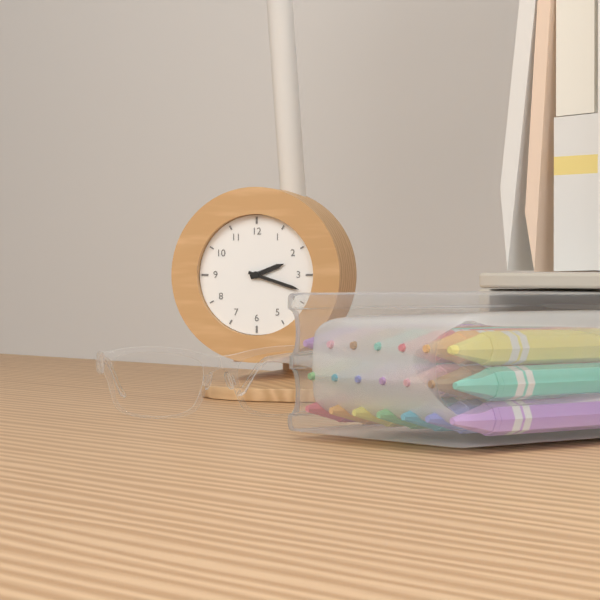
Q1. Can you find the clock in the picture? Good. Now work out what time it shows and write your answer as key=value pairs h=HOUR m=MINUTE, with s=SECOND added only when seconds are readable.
h=2 m=18
